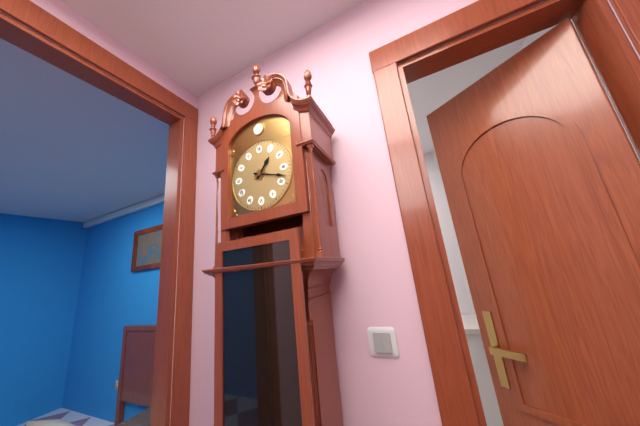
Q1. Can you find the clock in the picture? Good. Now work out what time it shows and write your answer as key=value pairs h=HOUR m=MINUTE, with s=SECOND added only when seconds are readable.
h=1 m=18
